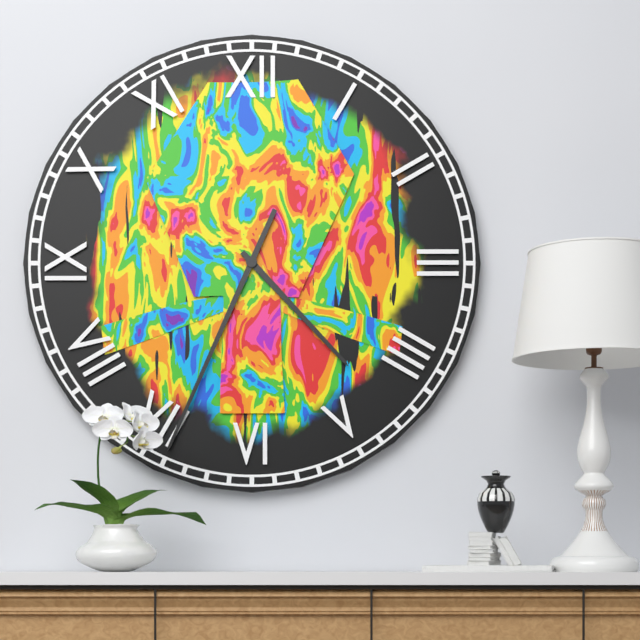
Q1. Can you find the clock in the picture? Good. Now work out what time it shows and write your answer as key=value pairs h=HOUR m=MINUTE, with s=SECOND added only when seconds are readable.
h=4 m=34
